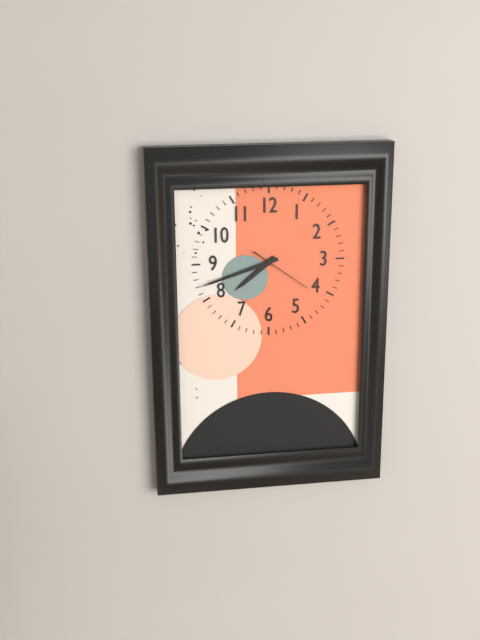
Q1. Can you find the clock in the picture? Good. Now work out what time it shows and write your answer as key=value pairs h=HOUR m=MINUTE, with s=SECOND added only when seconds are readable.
h=7 m=42 s=21
